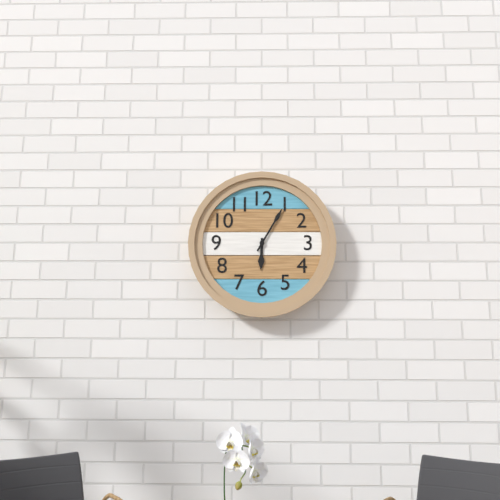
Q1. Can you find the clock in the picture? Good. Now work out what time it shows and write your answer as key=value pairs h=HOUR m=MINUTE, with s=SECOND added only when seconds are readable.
h=6 m=5
